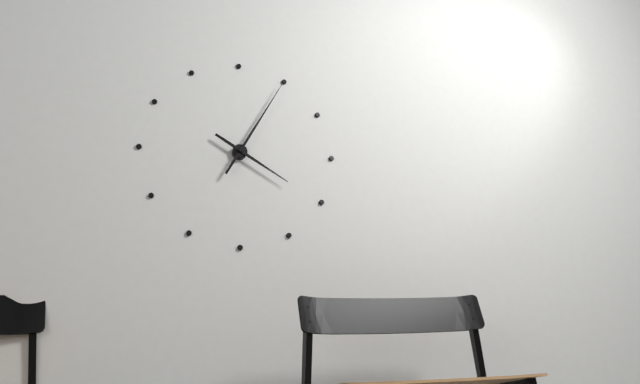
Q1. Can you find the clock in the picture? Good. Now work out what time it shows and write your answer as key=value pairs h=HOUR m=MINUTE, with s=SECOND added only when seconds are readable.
h=4 m=5
